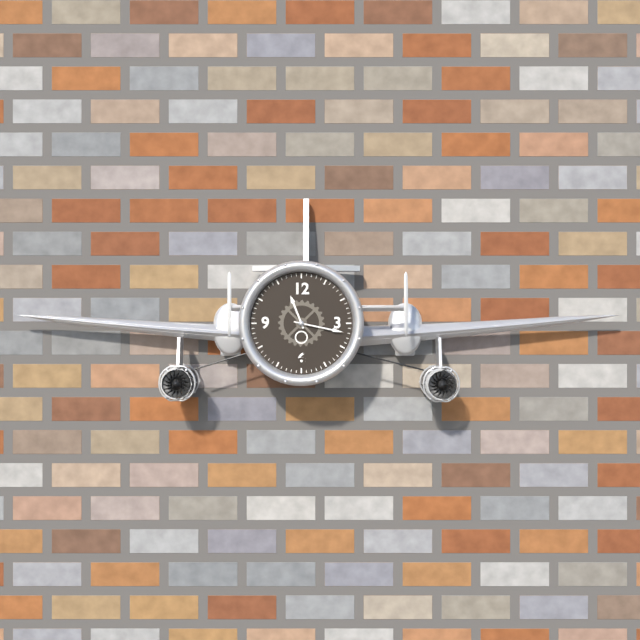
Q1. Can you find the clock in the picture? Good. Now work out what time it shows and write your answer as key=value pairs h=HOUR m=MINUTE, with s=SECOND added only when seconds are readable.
h=11 m=17
